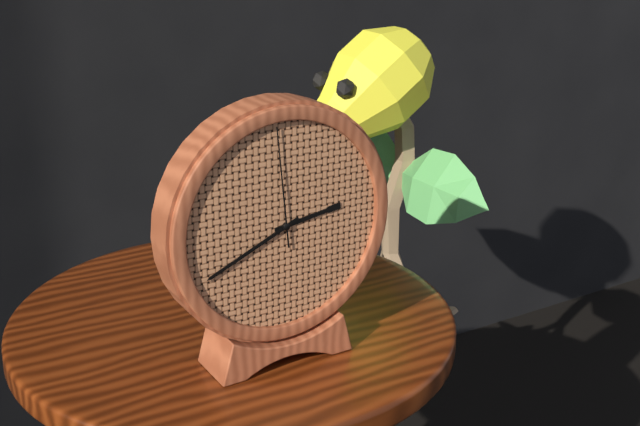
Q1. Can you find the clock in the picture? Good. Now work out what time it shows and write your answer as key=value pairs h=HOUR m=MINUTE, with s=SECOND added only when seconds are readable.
h=2 m=41 s=59
